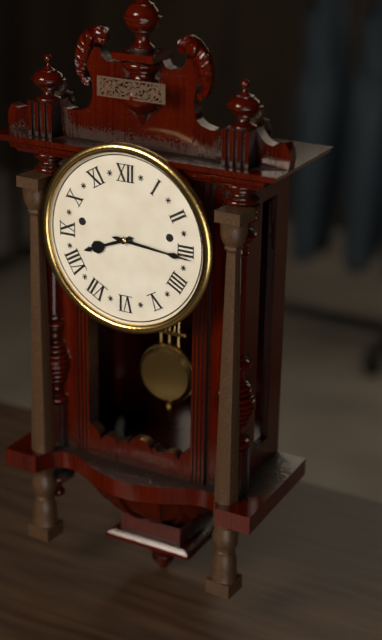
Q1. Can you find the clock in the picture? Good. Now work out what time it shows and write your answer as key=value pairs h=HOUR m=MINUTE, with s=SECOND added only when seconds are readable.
h=8 m=16
